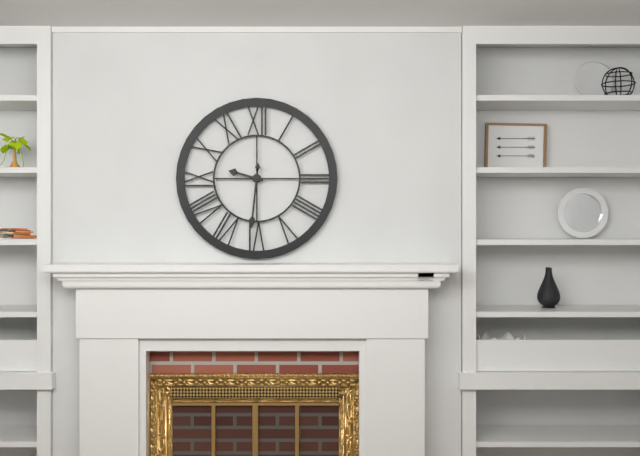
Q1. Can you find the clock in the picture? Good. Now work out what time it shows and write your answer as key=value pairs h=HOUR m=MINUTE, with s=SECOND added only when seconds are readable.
h=9 m=31
